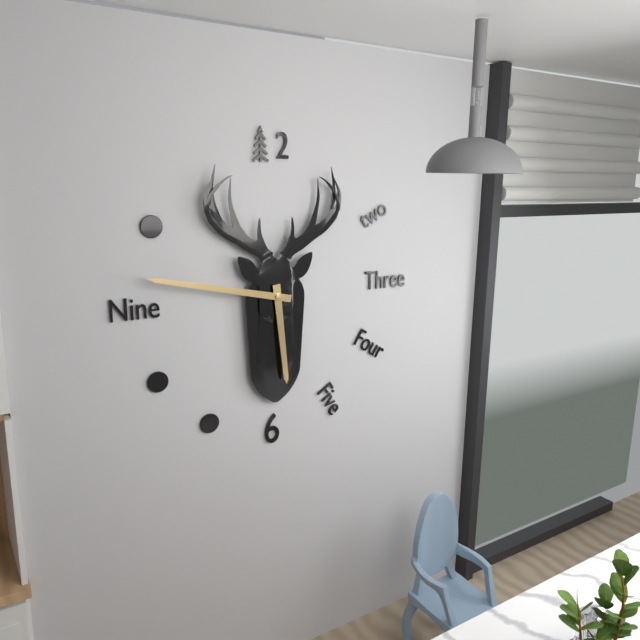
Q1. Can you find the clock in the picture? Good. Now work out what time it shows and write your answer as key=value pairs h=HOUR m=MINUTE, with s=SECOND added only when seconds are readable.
h=5 m=47
